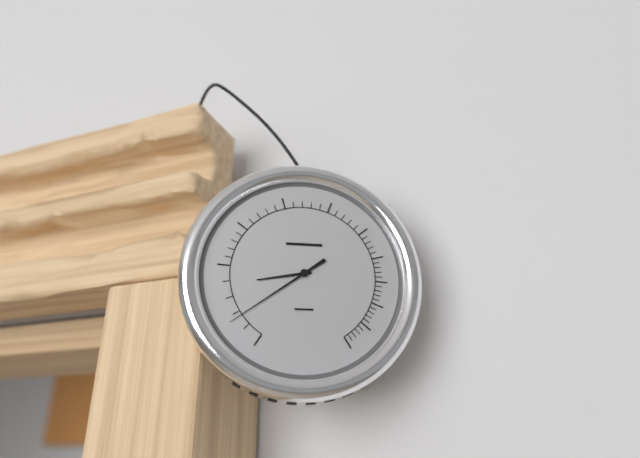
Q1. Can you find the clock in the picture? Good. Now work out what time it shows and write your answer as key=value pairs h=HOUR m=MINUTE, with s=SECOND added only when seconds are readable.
h=8 m=39
